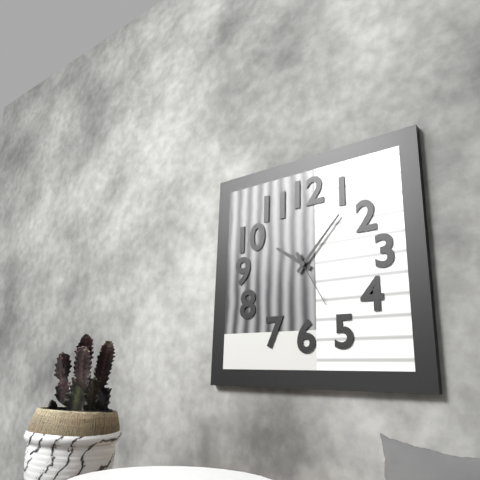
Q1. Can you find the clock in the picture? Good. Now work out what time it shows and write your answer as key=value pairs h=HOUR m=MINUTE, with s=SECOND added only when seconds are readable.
h=10 m=7 s=25
